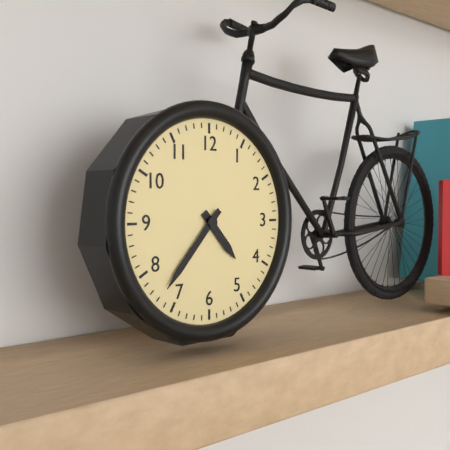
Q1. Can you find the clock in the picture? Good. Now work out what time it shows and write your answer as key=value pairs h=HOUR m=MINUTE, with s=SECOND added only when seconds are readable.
h=4 m=37
